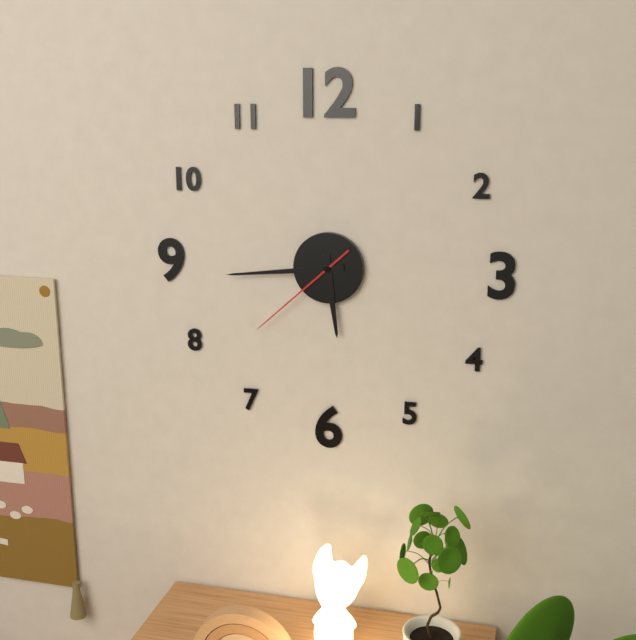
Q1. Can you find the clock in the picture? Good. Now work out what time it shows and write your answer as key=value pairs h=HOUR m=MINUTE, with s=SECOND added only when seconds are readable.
h=5 m=44 s=38
